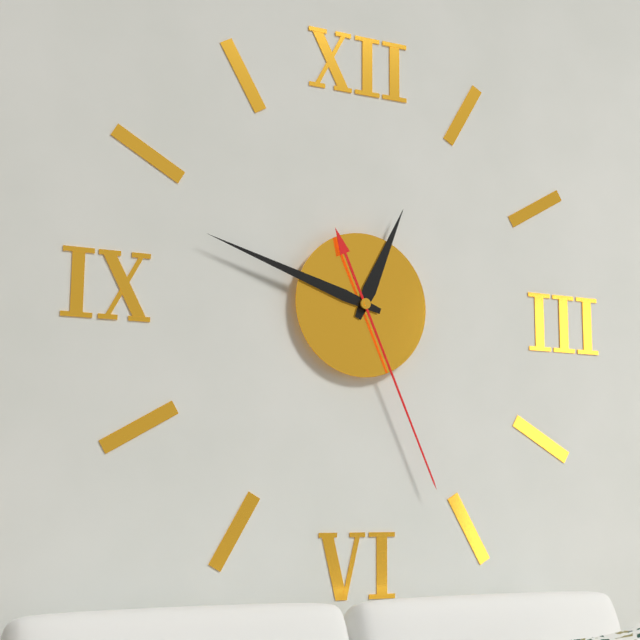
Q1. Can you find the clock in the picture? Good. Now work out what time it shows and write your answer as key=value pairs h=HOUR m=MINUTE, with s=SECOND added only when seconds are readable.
h=12 m=48 s=26
